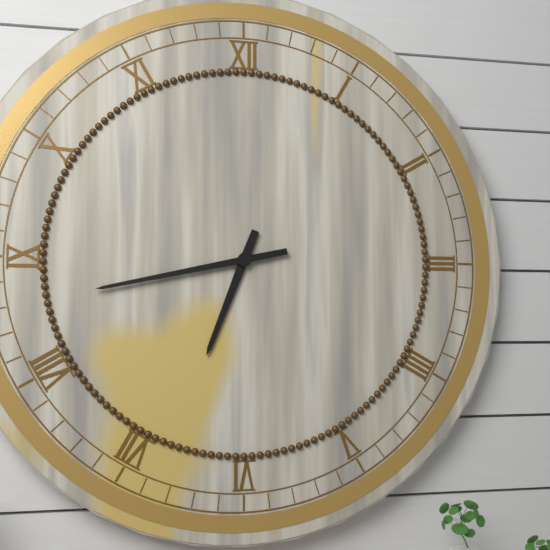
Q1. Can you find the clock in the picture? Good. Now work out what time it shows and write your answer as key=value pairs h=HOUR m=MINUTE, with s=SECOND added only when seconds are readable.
h=6 m=43
